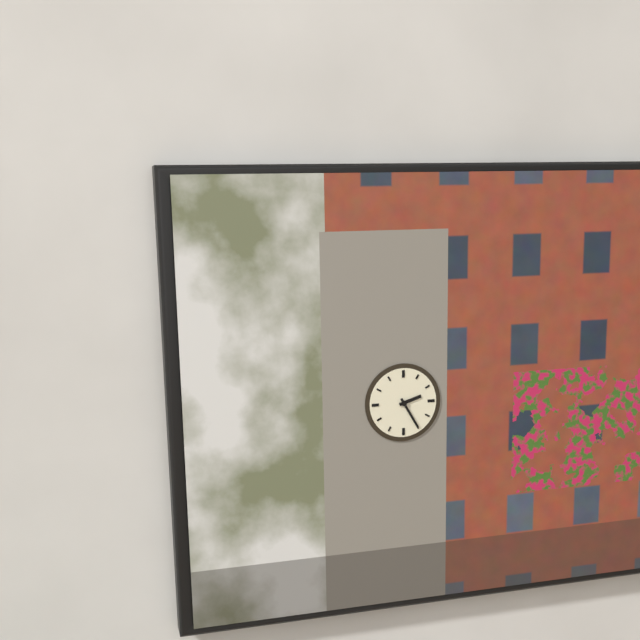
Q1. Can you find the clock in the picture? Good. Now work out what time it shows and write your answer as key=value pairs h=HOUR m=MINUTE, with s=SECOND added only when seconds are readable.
h=2 m=25
